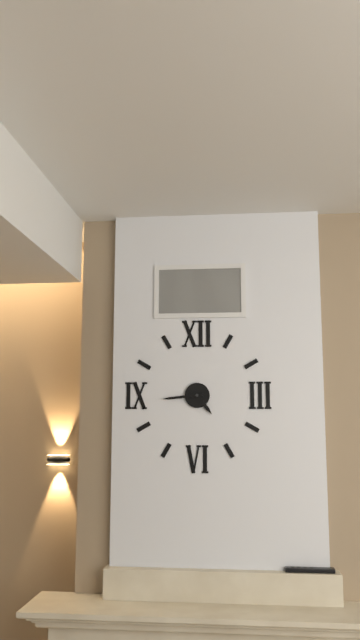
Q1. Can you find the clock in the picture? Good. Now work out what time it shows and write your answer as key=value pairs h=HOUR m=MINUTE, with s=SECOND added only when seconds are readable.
h=4 m=44
